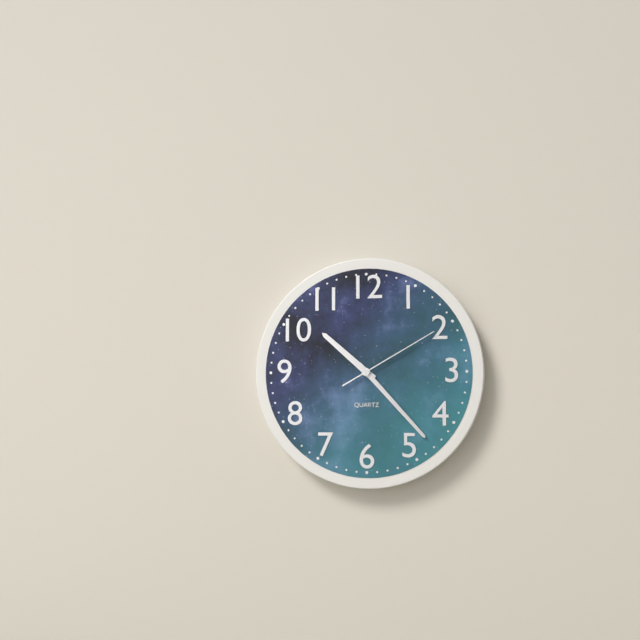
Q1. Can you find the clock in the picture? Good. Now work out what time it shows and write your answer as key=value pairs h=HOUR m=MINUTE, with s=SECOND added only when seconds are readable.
h=10 m=23 s=10
